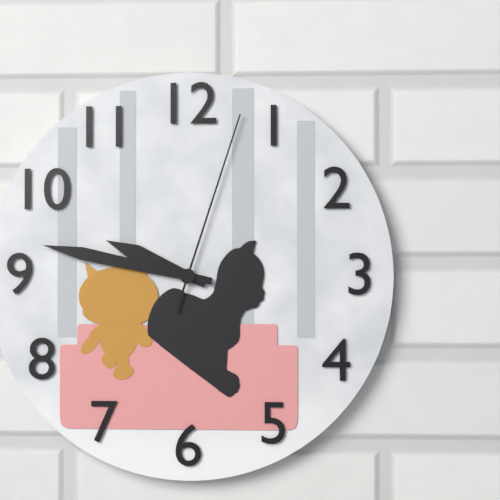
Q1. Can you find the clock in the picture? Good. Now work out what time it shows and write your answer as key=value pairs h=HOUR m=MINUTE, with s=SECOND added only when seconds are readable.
h=9 m=47 s=3
